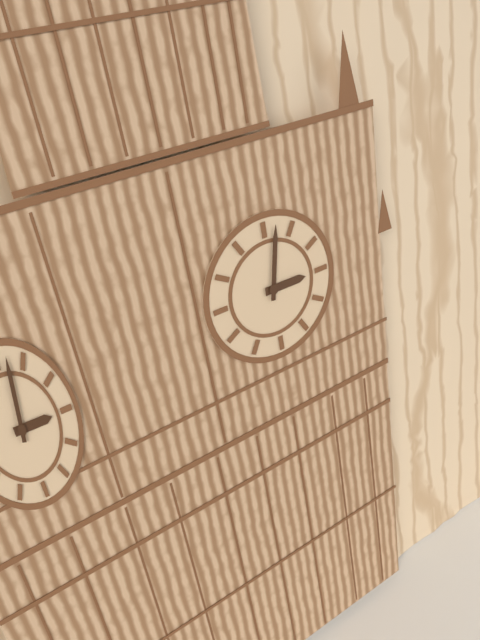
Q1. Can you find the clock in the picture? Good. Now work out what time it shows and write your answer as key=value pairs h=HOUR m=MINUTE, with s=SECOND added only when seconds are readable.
h=3 m=2
